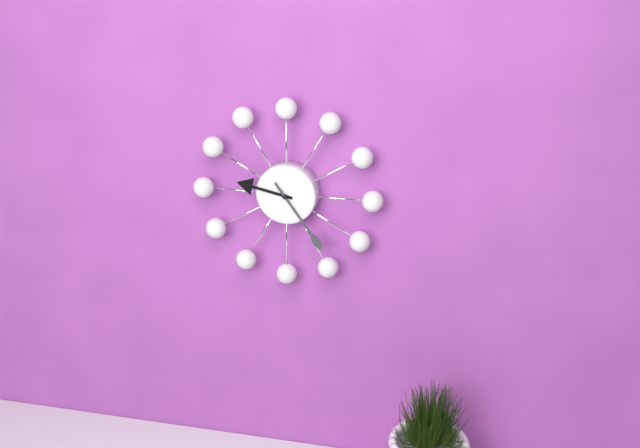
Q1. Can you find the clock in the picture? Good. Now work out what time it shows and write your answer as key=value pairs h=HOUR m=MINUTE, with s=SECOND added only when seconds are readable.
h=9 m=24
